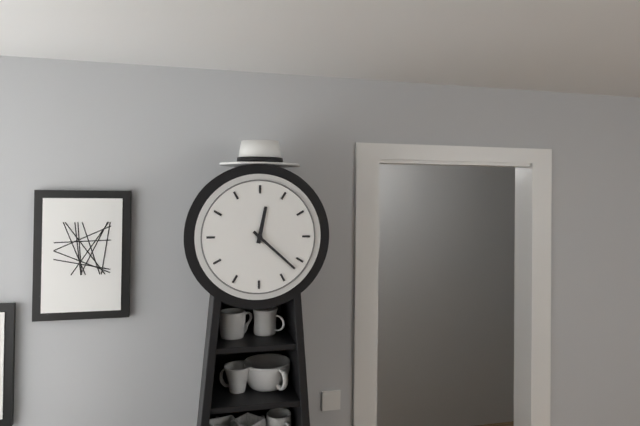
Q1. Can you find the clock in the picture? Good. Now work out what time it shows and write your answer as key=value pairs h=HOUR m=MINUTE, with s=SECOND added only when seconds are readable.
h=12 m=22
